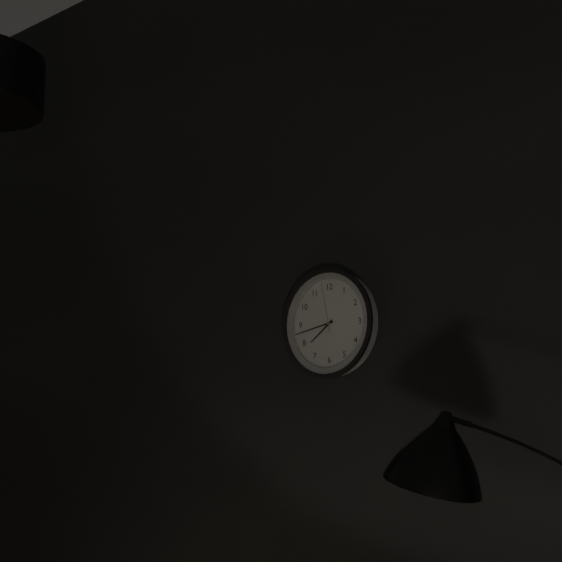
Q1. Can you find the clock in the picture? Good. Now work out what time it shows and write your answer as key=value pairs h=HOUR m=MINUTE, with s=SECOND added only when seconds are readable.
h=7 m=43 s=58
